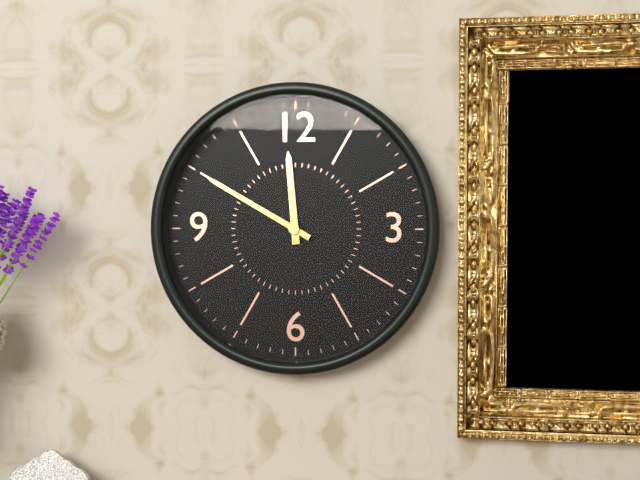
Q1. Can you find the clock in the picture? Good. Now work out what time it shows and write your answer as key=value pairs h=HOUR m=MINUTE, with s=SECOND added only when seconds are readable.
h=11 m=50
